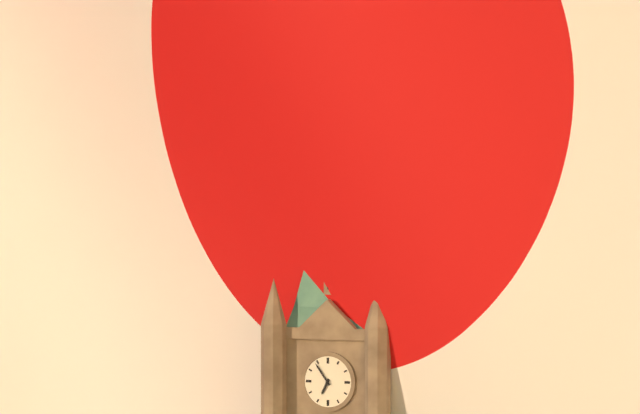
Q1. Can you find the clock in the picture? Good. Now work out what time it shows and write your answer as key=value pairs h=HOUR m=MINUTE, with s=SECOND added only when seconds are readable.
h=6 m=54
